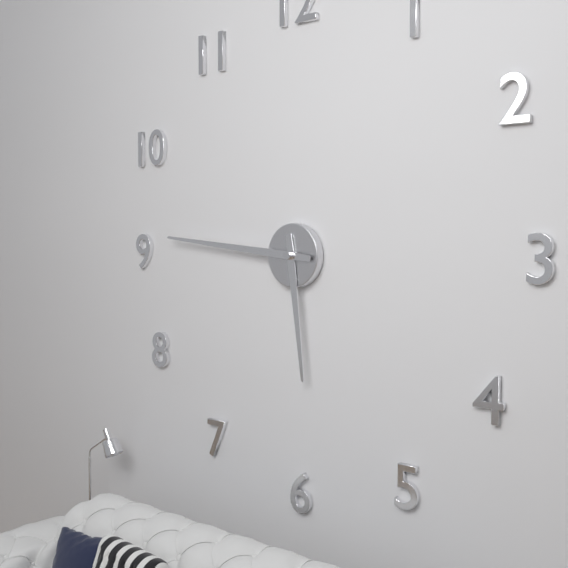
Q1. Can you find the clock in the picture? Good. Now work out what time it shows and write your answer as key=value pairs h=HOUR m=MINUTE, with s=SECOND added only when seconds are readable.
h=5 m=46
